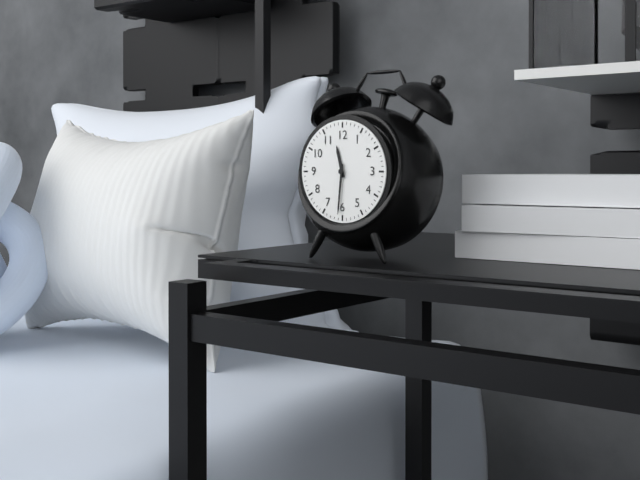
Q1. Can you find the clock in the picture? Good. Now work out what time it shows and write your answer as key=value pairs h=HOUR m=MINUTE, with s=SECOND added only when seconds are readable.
h=11 m=31
